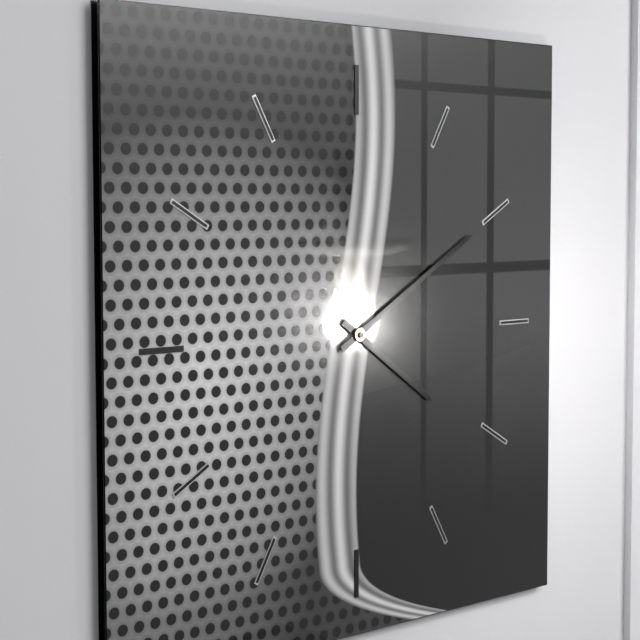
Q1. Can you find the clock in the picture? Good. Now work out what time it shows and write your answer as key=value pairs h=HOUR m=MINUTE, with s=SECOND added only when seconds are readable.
h=4 m=10
